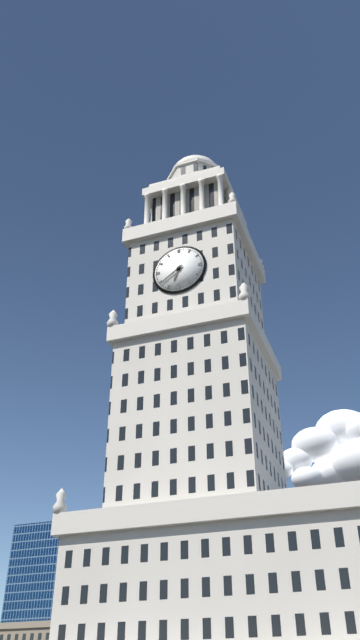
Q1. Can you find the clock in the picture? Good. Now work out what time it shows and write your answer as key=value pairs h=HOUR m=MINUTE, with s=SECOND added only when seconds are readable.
h=6 m=39
